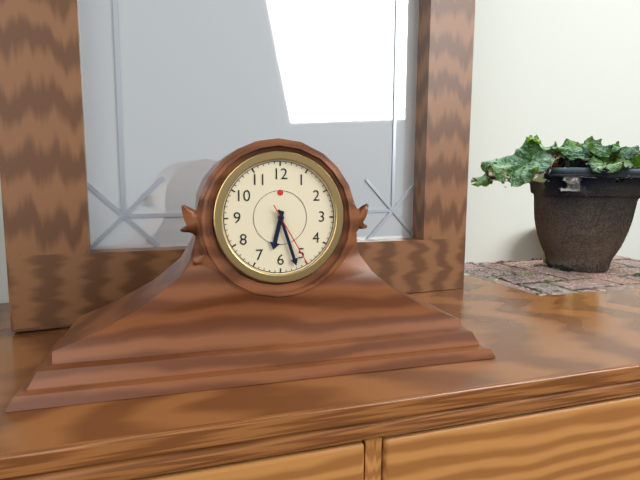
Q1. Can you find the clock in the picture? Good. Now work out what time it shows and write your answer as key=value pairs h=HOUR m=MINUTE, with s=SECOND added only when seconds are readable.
h=6 m=27 s=25
